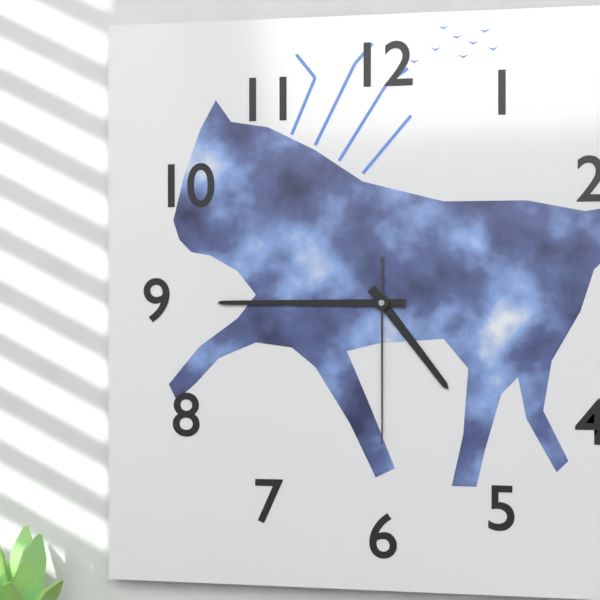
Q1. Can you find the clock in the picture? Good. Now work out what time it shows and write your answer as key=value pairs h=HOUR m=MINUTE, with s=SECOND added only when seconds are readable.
h=4 m=45 s=30
